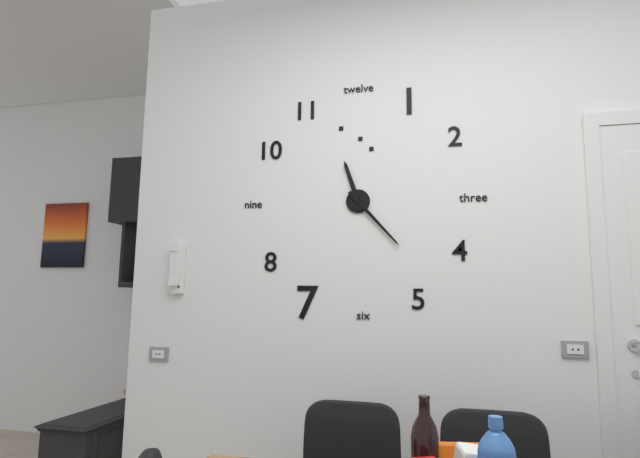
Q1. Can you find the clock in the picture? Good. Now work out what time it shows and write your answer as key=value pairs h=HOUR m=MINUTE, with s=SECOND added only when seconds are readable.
h=11 m=23
